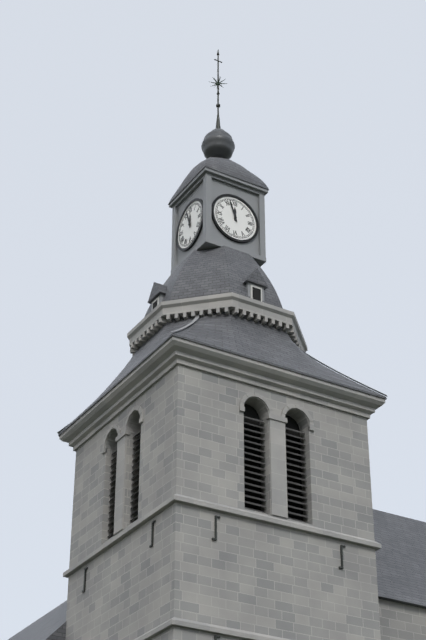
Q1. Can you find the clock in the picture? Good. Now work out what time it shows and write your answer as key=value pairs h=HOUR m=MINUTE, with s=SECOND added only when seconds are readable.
h=11 m=57
